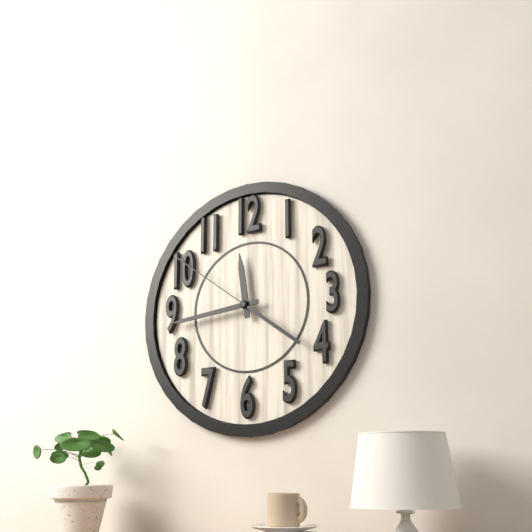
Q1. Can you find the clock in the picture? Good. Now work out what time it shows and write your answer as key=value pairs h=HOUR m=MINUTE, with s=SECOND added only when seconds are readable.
h=11 m=44 s=51
